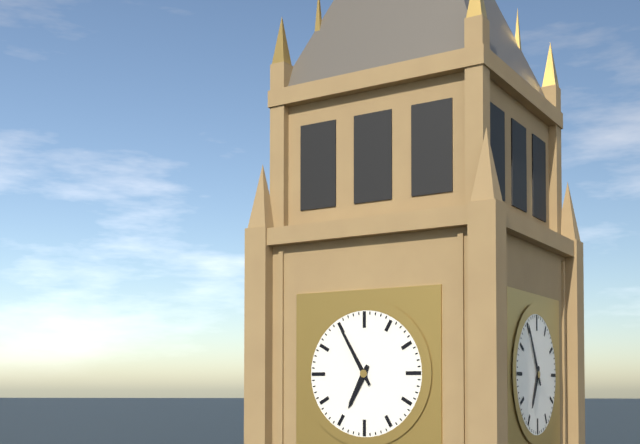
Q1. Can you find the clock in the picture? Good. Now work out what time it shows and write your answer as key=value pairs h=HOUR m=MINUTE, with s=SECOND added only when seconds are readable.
h=6 m=55
